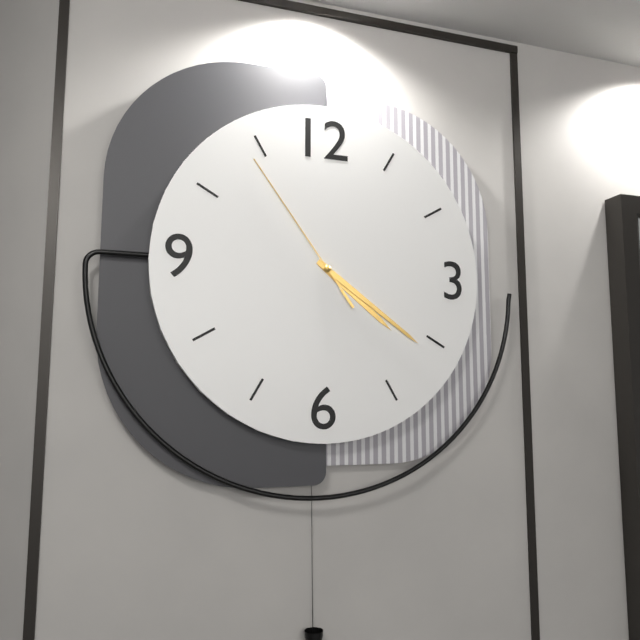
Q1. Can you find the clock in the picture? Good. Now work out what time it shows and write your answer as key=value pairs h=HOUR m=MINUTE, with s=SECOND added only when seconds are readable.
h=4 m=21 s=54
